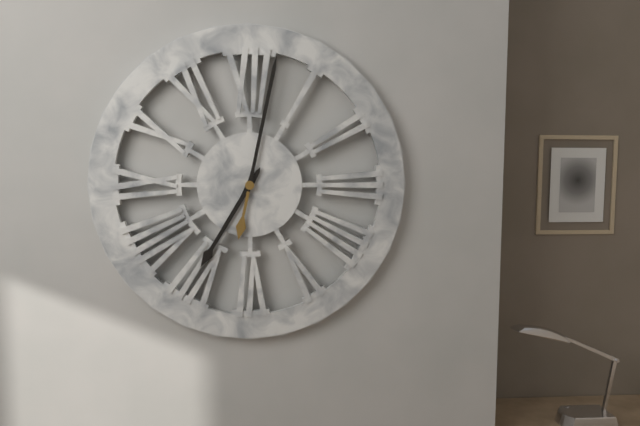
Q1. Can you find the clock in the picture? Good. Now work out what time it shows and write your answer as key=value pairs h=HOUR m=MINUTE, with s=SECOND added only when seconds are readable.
h=7 m=2
